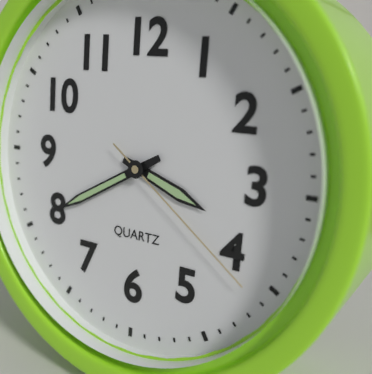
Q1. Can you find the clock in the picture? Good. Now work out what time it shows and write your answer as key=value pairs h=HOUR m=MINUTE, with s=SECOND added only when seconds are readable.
h=3 m=40 s=21
